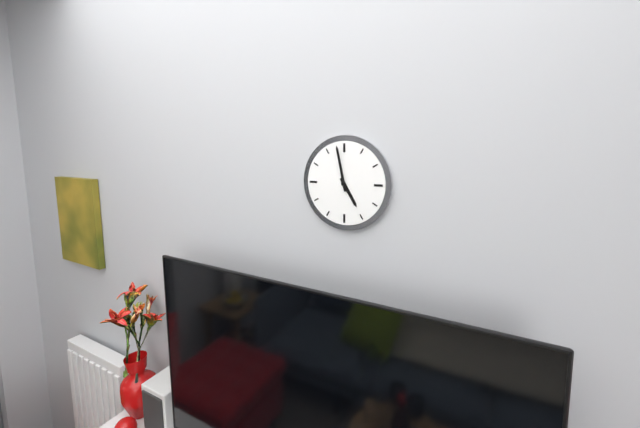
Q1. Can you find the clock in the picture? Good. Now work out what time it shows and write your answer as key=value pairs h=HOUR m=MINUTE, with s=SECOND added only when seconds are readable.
h=4 m=58
